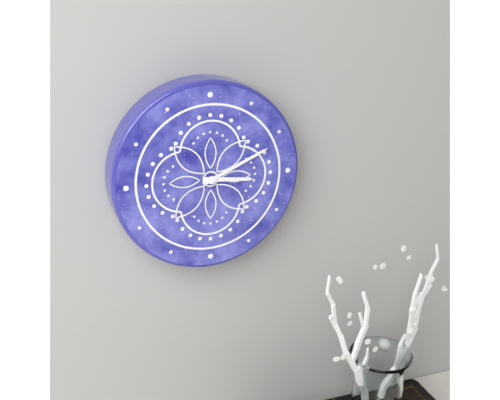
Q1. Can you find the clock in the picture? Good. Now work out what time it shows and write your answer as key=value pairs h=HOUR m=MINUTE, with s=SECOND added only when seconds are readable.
h=3 m=11
